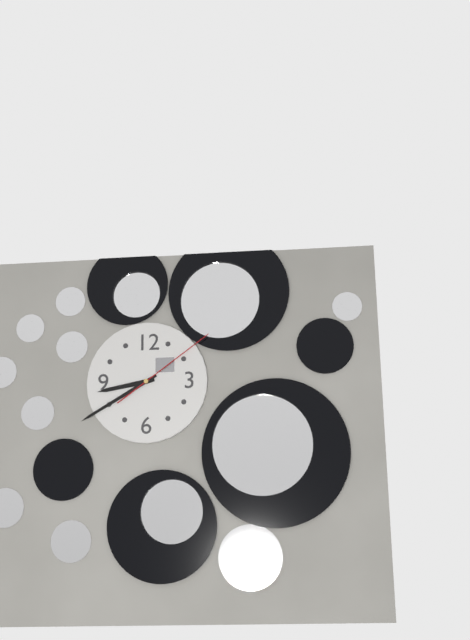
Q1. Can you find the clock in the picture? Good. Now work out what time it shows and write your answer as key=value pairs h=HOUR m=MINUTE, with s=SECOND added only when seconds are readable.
h=8 m=40 s=9
